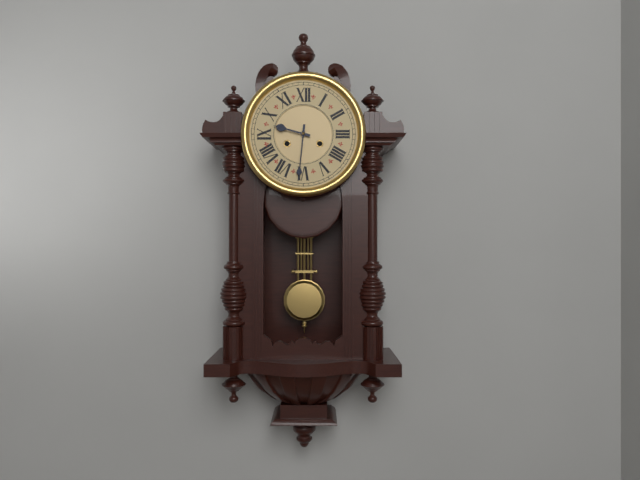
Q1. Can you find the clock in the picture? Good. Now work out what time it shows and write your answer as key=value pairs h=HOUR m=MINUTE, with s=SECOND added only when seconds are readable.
h=9 m=31
